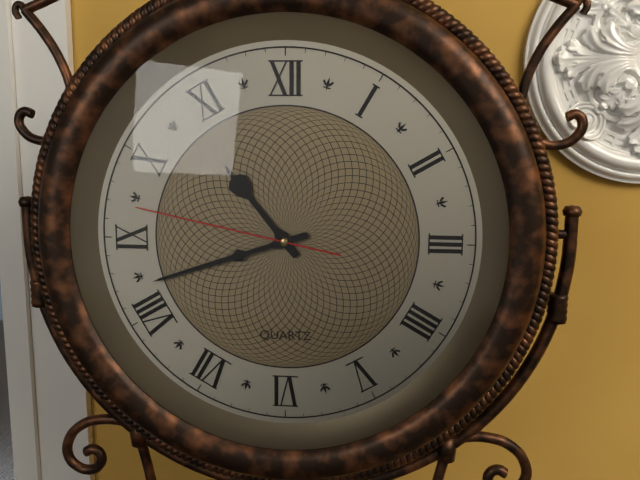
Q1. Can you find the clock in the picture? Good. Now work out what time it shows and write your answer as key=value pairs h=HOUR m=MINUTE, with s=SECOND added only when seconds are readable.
h=10 m=42 s=47
